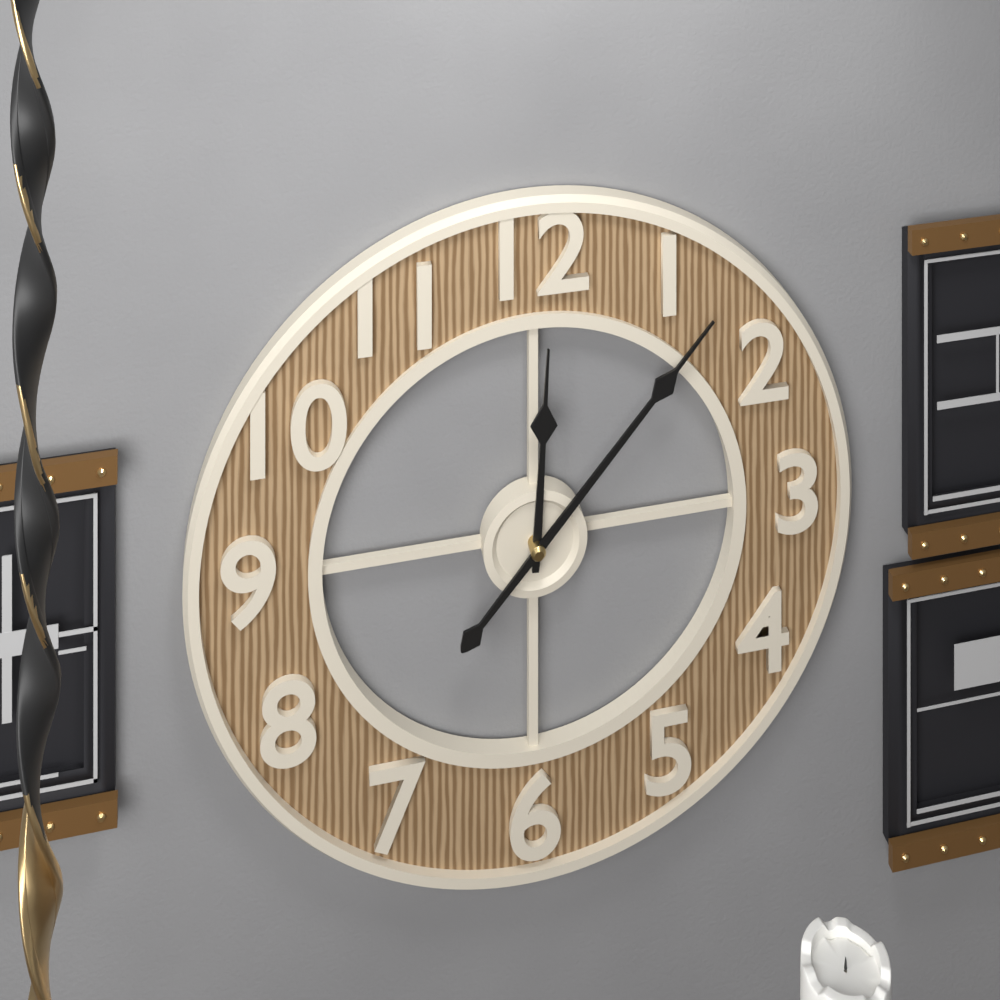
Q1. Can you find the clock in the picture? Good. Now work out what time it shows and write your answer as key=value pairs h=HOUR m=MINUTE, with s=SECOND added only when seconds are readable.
h=12 m=7
